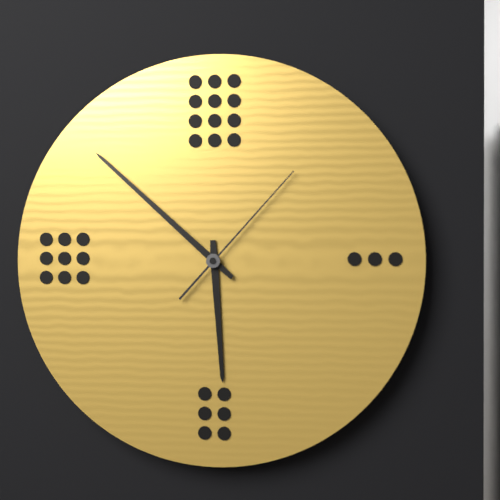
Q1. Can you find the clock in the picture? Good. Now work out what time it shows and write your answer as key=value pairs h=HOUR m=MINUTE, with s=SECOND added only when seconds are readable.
h=5 m=52 s=7
